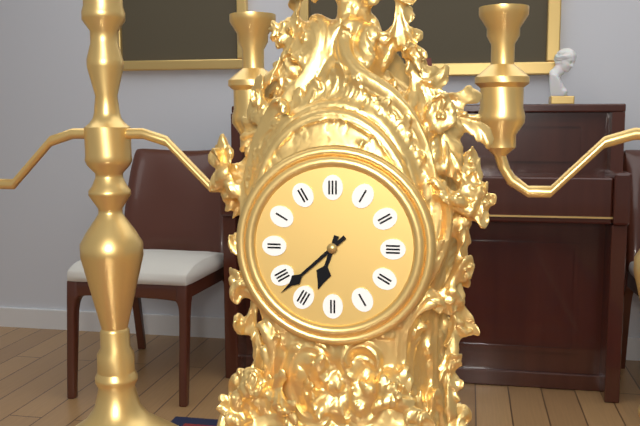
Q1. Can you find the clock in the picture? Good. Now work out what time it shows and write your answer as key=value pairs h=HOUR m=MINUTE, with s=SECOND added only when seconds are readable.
h=6 m=38
